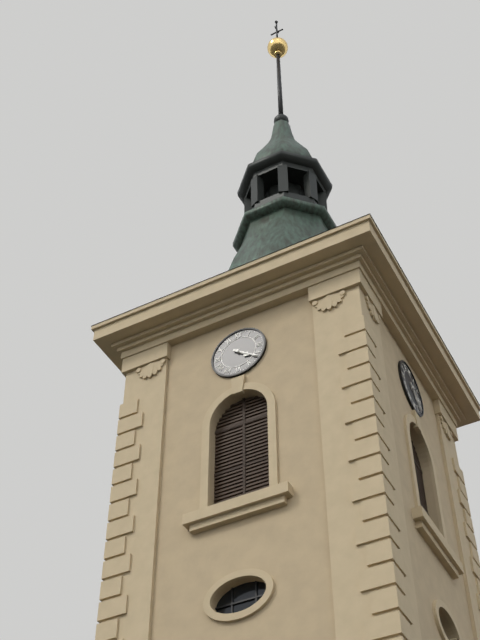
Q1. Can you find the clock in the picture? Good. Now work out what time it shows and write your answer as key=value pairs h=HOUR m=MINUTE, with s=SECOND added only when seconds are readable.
h=4 m=21
